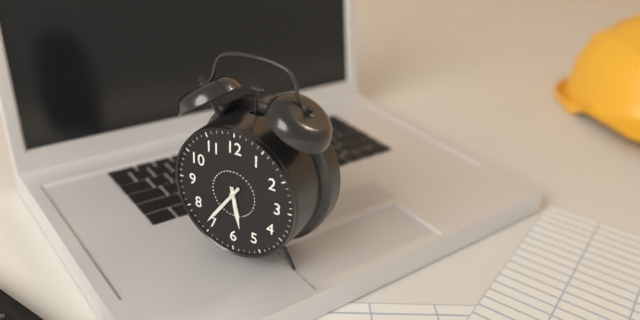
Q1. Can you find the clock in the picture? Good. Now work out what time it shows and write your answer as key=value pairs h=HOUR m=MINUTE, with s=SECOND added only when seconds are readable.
h=5 m=36
